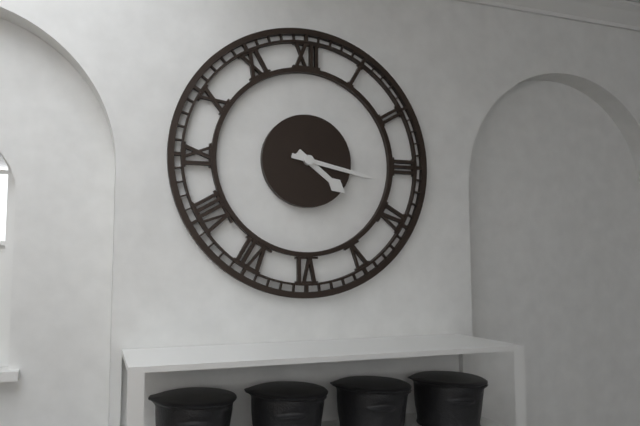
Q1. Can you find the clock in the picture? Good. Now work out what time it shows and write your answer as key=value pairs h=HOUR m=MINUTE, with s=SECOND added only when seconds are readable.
h=4 m=17
